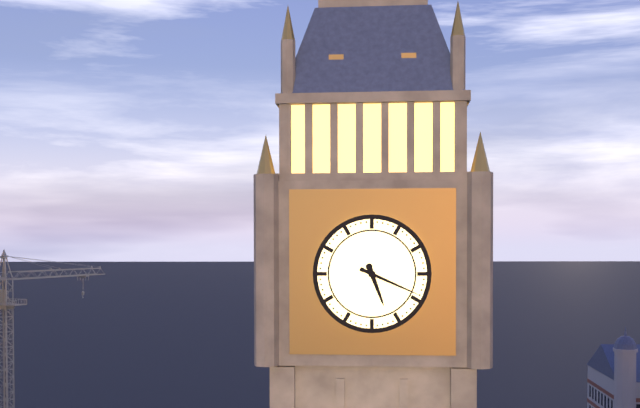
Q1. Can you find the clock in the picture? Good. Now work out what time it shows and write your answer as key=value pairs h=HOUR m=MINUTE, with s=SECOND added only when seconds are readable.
h=5 m=19
